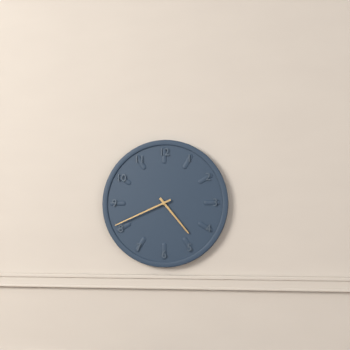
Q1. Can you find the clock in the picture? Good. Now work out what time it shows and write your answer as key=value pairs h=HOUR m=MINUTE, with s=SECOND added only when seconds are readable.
h=4 m=41
